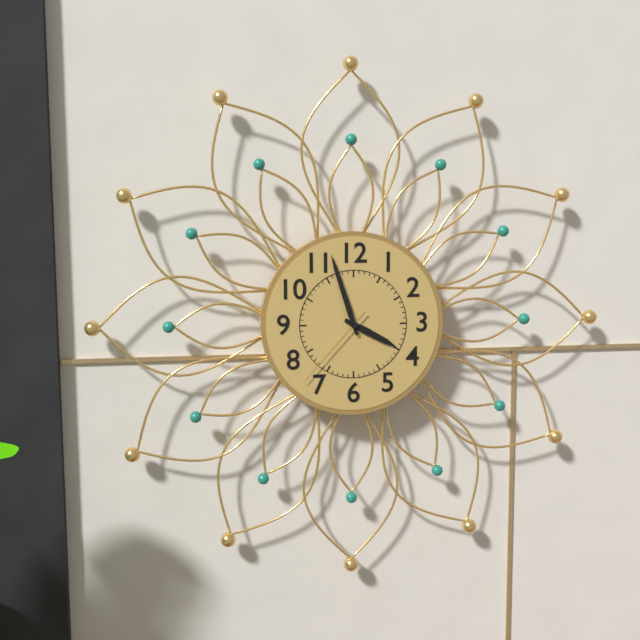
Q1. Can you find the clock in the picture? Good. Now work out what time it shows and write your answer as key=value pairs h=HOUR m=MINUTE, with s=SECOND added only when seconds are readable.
h=3 m=57 s=37
